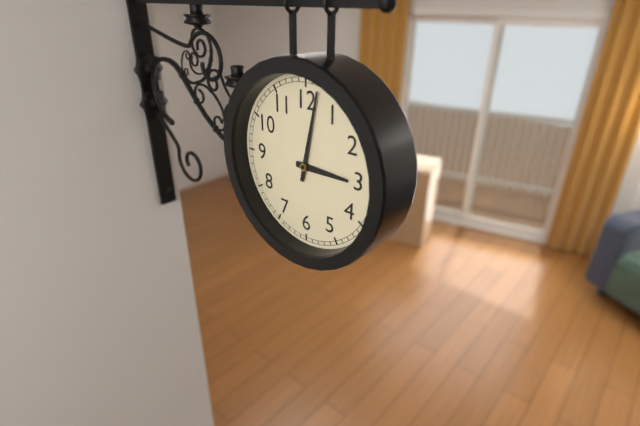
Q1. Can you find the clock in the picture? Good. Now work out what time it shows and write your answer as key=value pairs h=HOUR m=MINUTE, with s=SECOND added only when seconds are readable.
h=3 m=2
